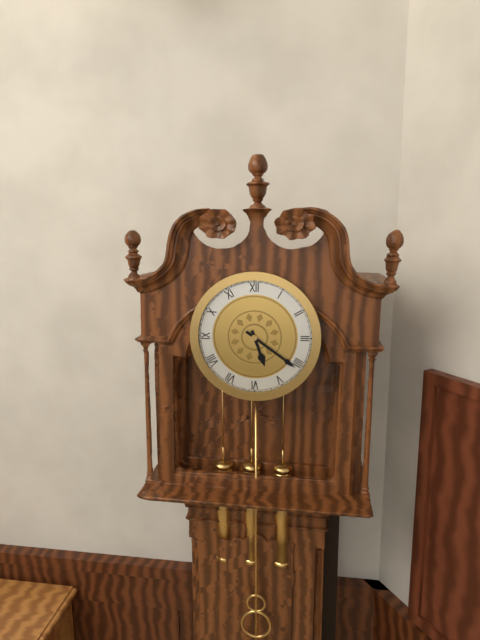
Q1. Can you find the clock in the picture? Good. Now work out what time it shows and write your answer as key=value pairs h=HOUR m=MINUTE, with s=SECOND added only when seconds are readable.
h=5 m=21
